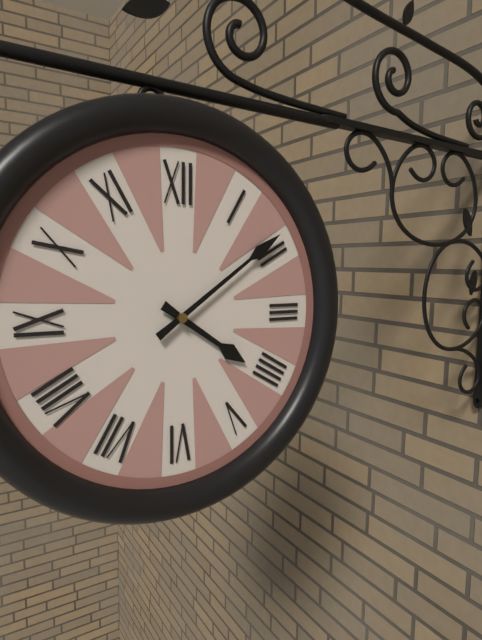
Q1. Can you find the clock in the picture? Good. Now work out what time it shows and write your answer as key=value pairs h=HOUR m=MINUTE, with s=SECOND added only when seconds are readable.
h=4 m=9
